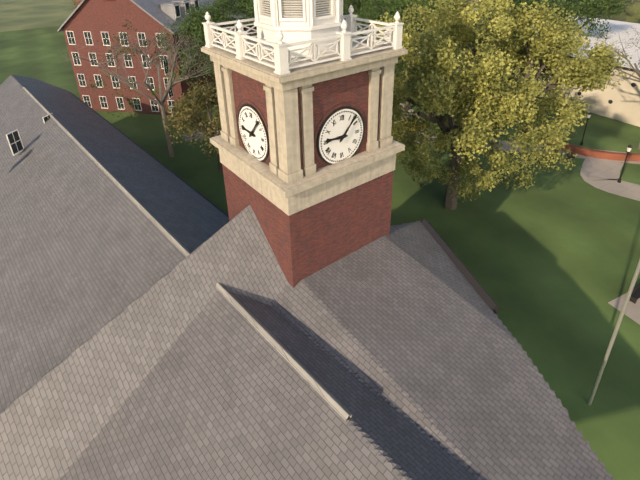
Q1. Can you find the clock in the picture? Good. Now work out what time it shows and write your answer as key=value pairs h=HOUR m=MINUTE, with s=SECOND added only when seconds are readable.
h=9 m=7
